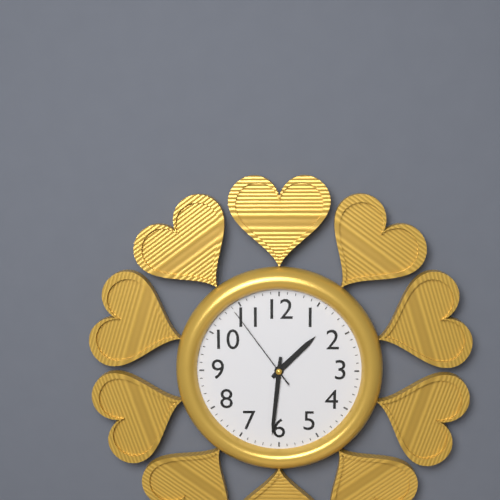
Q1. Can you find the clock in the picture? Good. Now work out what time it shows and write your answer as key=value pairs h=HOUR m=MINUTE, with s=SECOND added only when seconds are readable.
h=1 m=31 s=54
